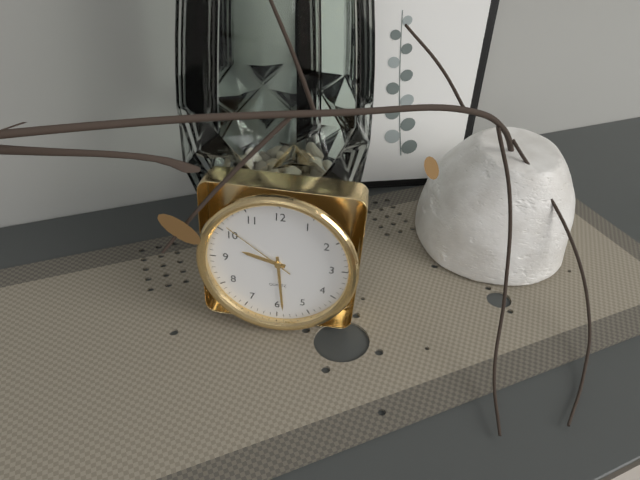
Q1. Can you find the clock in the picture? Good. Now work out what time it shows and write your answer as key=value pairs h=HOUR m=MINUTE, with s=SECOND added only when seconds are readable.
h=9 m=29 s=51
